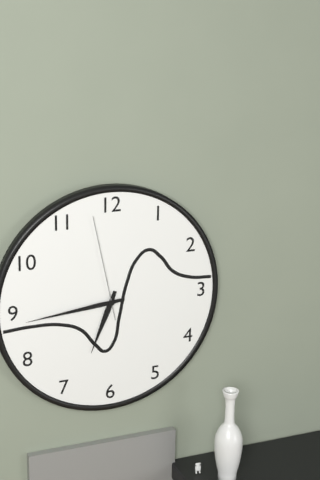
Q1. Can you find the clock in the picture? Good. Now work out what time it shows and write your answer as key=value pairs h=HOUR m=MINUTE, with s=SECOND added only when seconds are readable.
h=6 m=44 s=58
